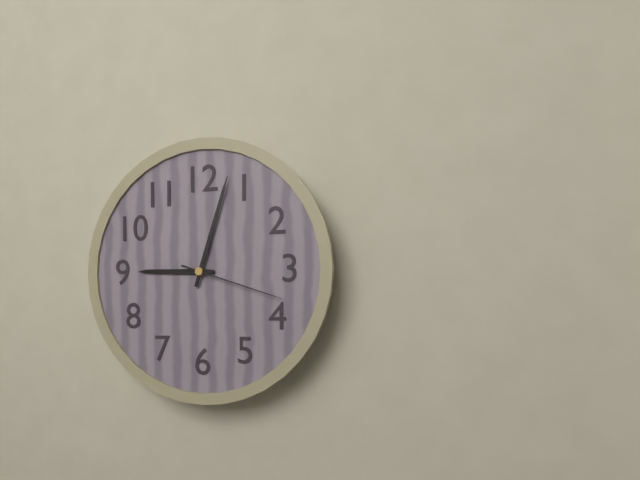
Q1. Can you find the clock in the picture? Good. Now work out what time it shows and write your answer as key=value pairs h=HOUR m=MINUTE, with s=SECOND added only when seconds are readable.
h=9 m=3 s=18
